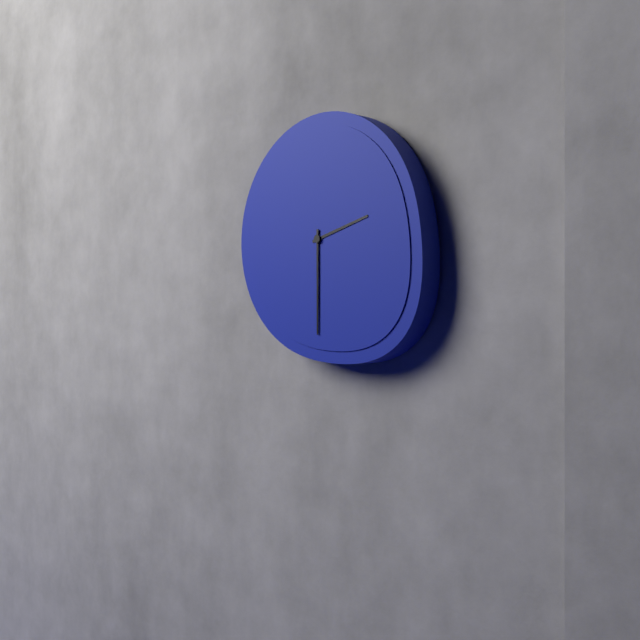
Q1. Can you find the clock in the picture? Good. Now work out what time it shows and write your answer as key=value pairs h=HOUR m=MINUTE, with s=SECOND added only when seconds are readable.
h=2 m=30
